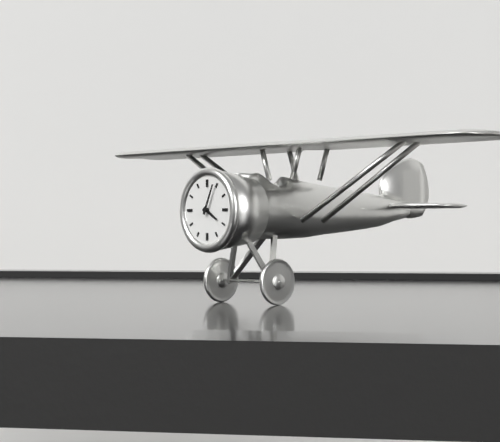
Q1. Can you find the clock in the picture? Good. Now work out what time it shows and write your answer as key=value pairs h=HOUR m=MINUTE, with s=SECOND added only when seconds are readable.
h=4 m=4
